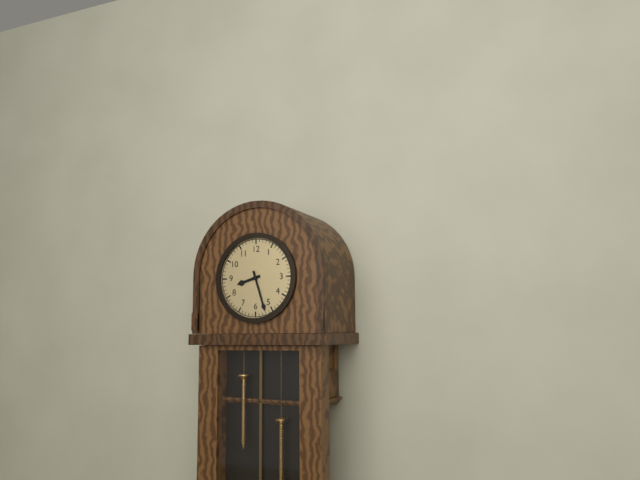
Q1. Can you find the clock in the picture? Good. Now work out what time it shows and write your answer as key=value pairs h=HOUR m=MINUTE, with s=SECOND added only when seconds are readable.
h=8 m=27
